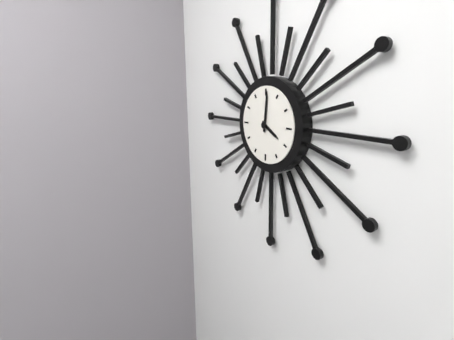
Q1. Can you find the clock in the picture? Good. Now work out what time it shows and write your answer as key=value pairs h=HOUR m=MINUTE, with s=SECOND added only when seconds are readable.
h=4 m=1
